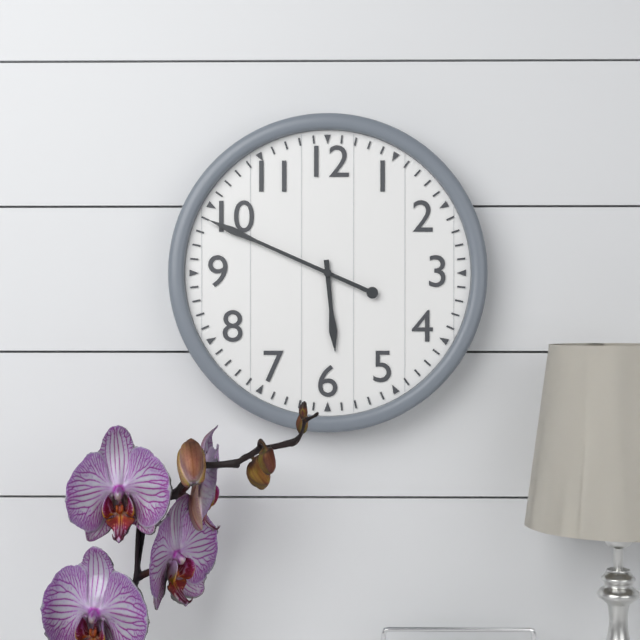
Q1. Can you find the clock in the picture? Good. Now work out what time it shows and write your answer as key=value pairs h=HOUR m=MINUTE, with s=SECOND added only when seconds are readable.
h=5 m=49
